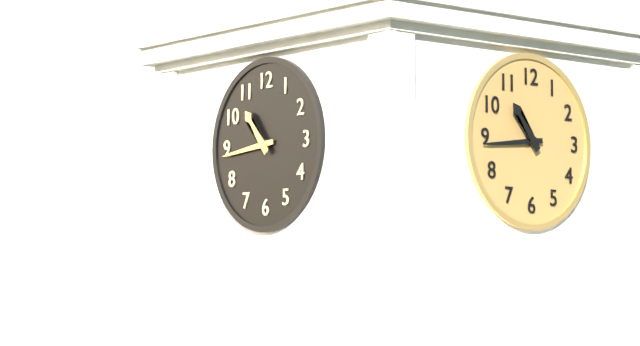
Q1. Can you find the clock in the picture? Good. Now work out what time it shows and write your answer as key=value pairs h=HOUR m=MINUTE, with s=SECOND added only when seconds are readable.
h=10 m=44
